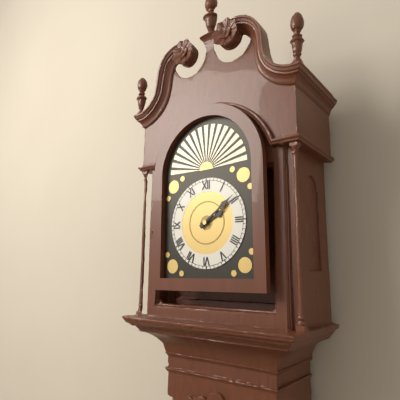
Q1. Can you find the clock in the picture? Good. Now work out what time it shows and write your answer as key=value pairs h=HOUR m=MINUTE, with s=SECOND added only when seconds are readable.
h=2 m=9
